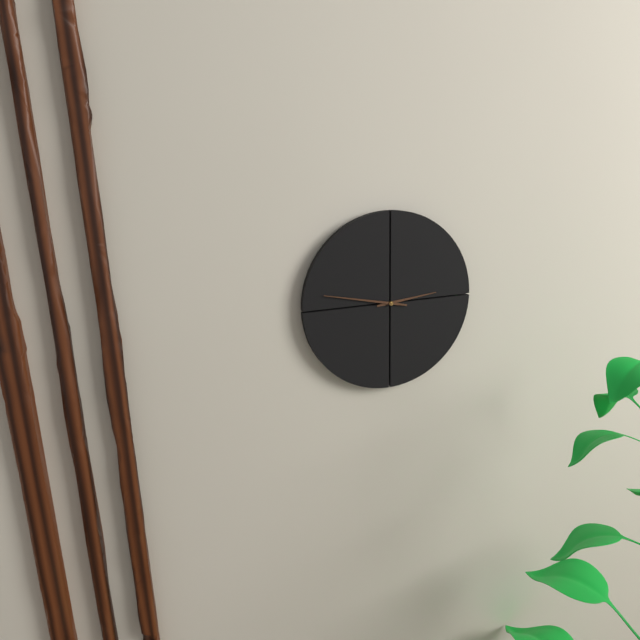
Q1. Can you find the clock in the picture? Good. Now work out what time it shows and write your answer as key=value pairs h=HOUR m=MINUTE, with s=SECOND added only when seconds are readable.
h=2 m=47
